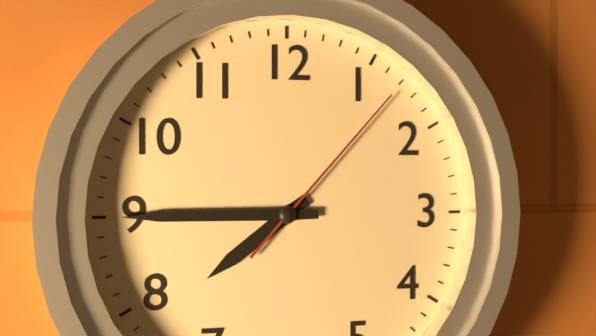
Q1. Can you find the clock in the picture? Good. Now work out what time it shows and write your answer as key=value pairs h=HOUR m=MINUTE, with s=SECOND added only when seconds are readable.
h=7 m=45 s=7
